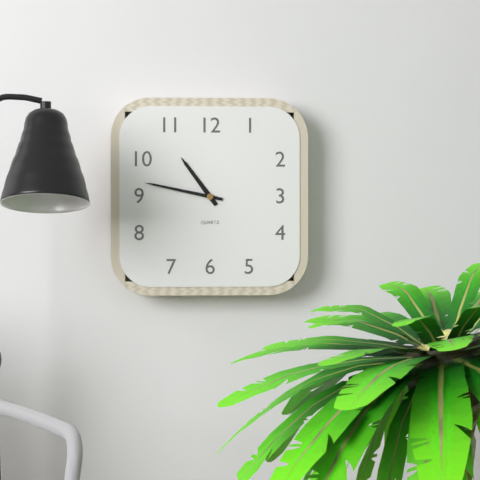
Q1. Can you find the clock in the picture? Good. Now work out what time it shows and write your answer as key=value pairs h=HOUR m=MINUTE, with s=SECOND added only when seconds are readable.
h=10 m=47
